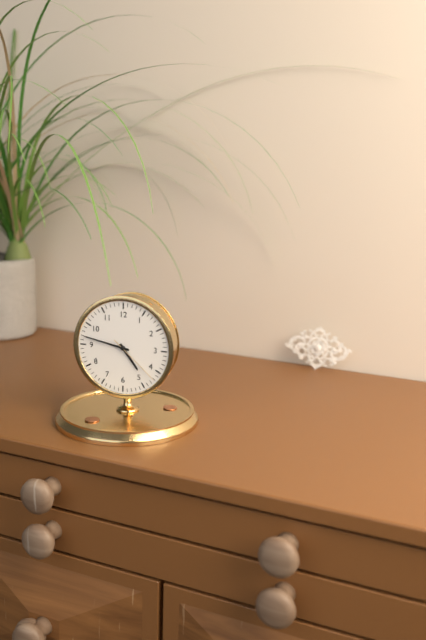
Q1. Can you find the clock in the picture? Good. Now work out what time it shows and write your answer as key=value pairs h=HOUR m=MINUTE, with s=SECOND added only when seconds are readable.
h=4 m=47 s=22
